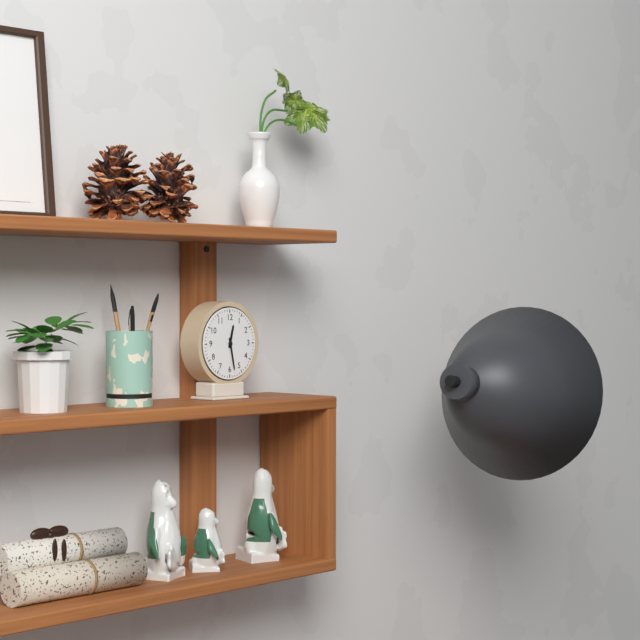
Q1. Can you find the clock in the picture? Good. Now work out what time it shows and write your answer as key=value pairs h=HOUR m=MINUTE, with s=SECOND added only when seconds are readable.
h=12 m=28
